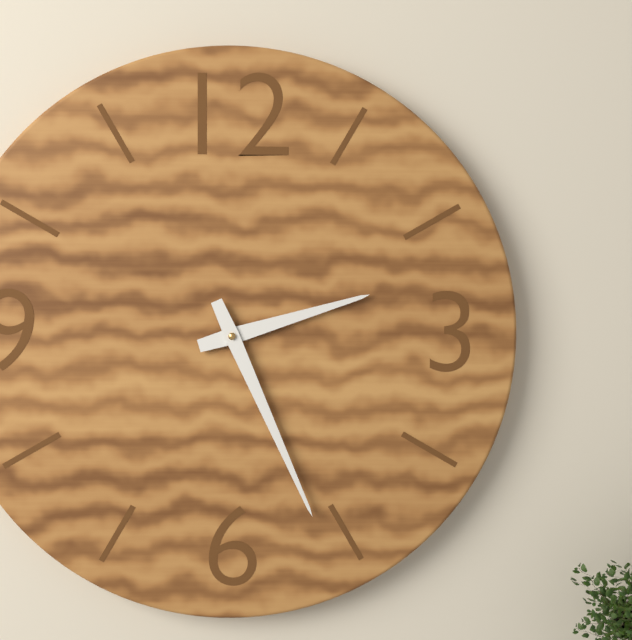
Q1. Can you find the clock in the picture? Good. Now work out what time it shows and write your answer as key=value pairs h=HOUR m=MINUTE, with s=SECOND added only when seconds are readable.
h=2 m=26
